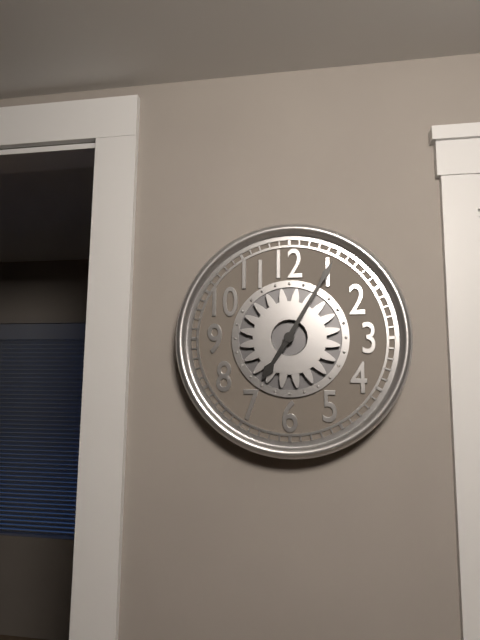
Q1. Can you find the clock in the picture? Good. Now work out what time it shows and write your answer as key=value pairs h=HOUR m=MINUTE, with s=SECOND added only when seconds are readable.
h=7 m=5
